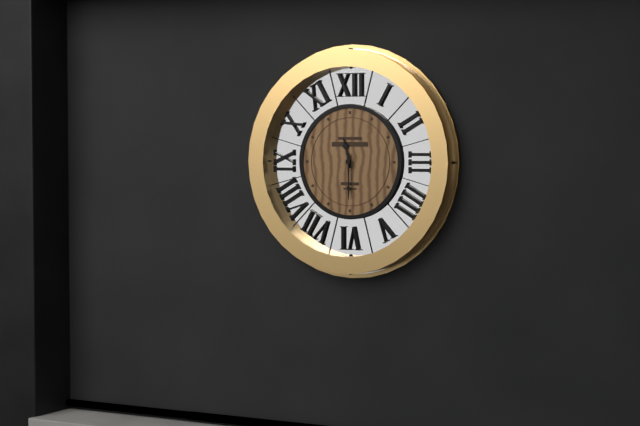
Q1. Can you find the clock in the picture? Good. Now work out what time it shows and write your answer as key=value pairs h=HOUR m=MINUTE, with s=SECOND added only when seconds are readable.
h=11 m=30
